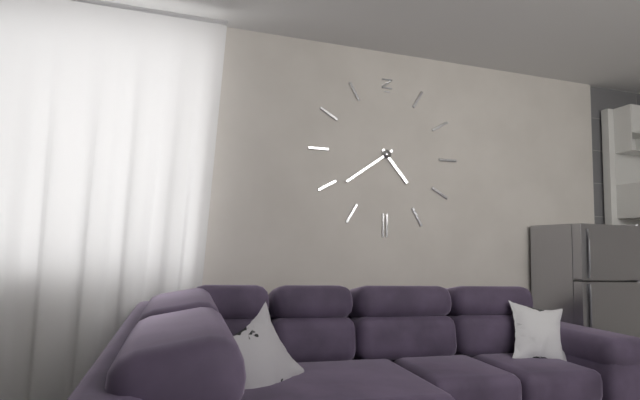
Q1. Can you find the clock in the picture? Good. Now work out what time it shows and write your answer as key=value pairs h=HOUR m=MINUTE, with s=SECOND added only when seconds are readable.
h=4 m=39
